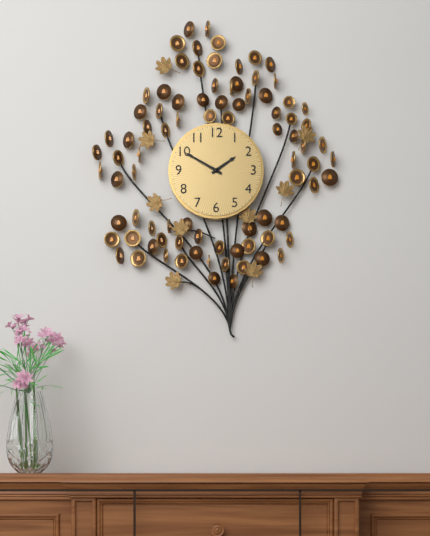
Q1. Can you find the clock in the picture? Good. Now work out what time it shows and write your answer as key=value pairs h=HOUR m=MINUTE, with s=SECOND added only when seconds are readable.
h=1 m=50
